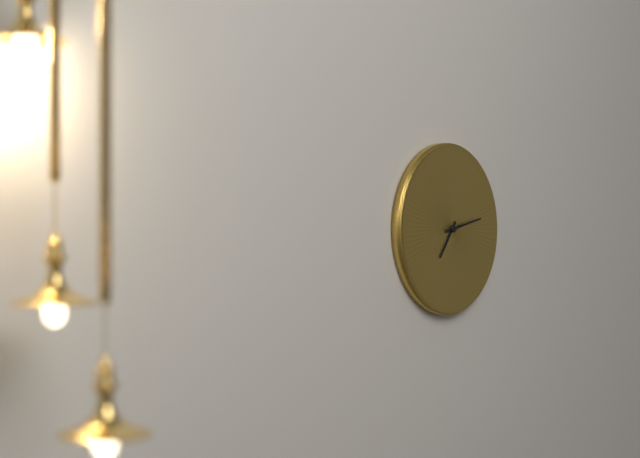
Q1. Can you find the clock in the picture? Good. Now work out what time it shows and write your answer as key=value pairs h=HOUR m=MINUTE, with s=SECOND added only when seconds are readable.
h=7 m=13
